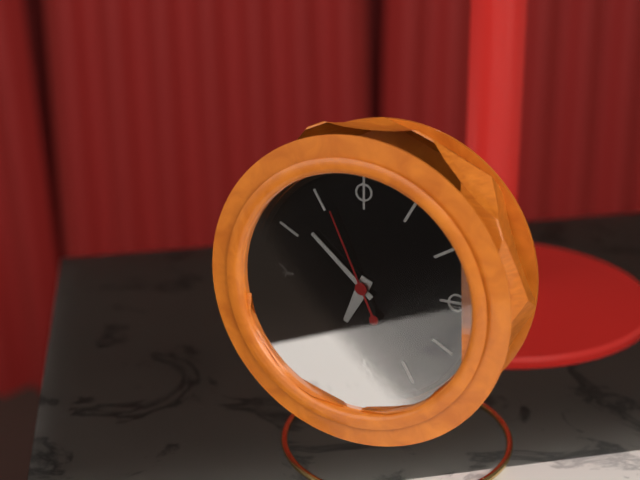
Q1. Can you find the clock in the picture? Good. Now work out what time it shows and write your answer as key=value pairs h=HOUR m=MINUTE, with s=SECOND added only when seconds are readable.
h=6 m=52 s=56
